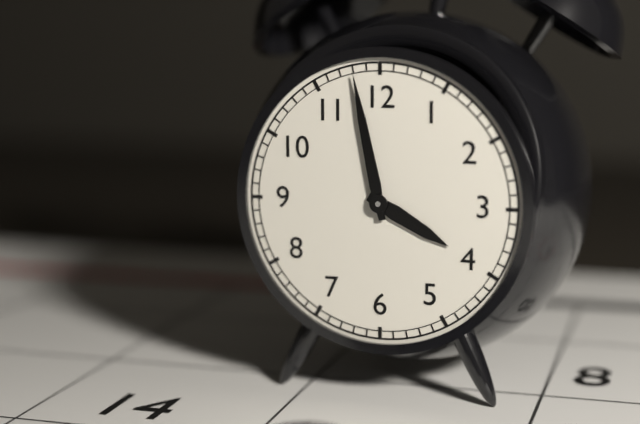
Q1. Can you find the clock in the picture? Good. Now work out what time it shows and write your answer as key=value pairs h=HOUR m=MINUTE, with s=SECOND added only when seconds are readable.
h=3 m=58
